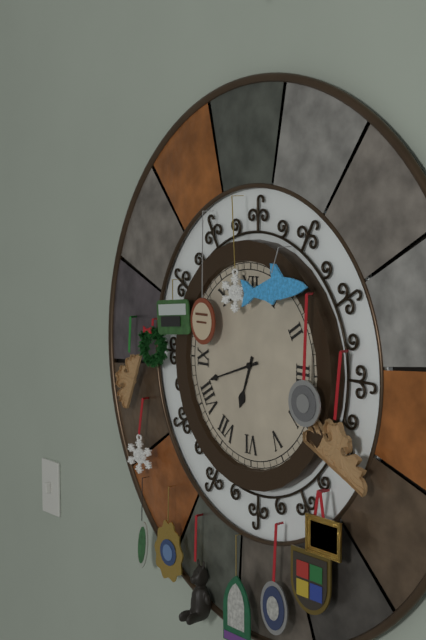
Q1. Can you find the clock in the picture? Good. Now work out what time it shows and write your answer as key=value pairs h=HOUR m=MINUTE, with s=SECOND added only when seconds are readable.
h=6 m=42
